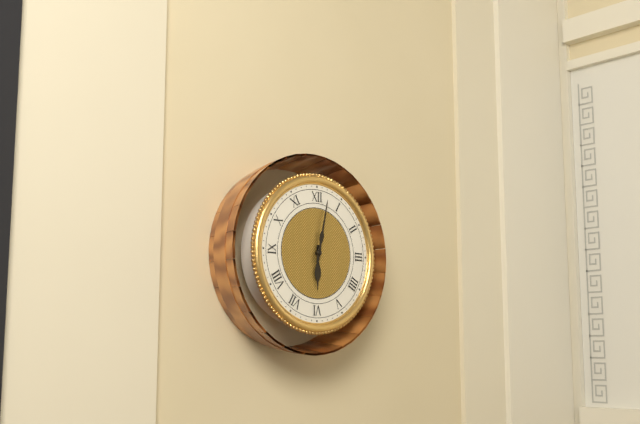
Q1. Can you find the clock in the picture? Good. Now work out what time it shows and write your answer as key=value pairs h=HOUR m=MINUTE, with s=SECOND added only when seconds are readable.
h=6 m=2
